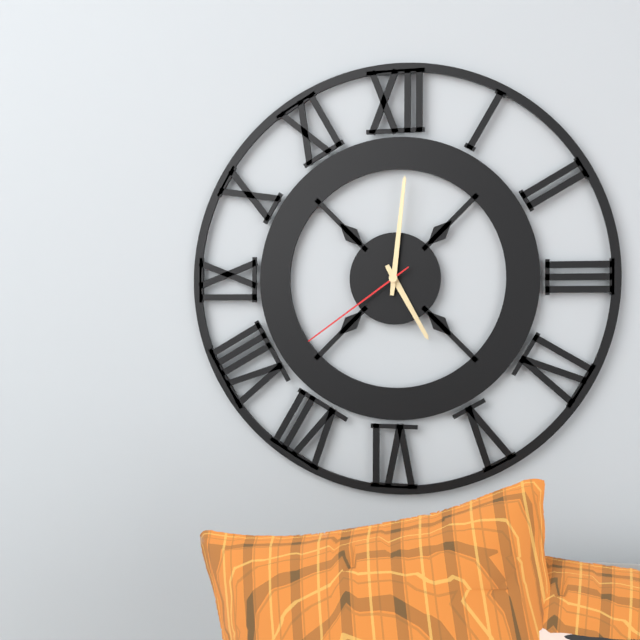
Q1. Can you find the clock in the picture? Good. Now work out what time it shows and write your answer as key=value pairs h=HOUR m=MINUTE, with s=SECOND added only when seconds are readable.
h=5 m=1 s=39
